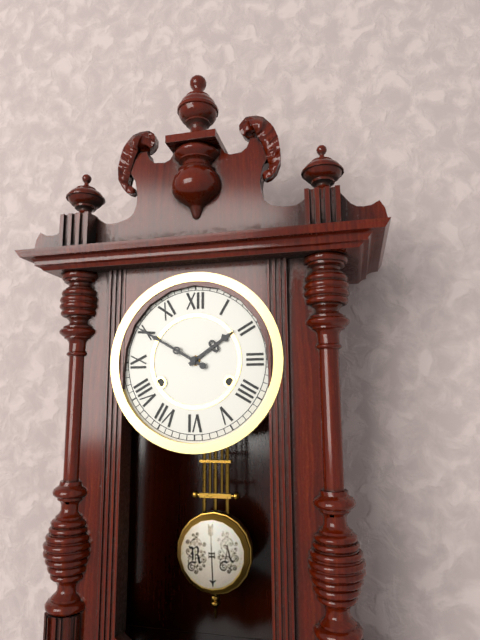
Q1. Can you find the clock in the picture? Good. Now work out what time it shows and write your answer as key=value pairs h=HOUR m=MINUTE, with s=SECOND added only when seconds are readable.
h=1 m=50
